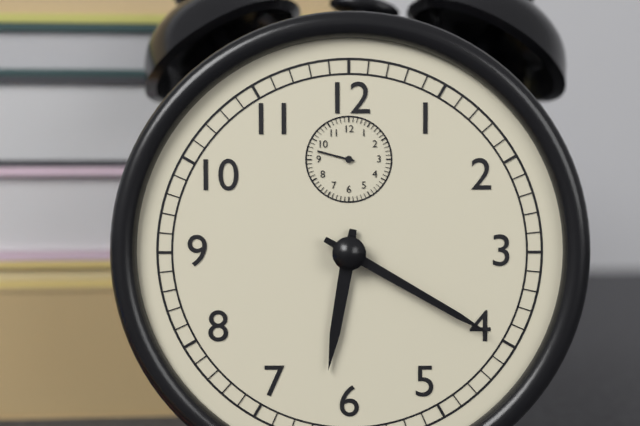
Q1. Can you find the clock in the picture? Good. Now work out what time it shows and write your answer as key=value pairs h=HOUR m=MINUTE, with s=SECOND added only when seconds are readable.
h=6 m=20
